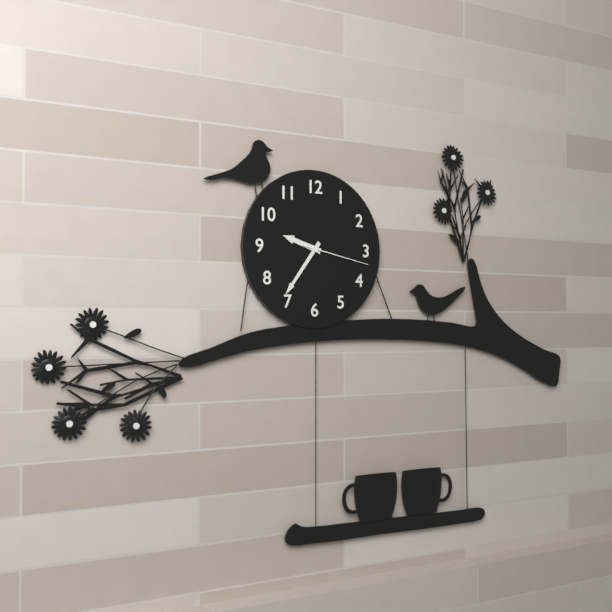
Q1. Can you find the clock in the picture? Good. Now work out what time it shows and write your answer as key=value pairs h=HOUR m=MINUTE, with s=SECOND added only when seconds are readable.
h=9 m=36 s=17
